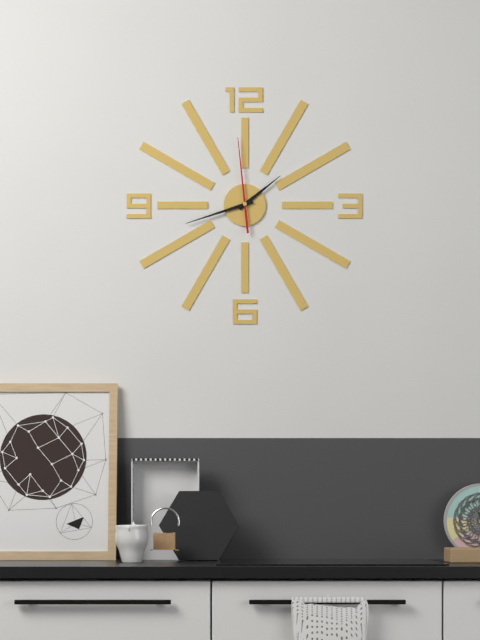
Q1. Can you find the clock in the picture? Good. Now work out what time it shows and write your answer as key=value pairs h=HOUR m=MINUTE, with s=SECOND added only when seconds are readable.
h=1 m=42 s=59
